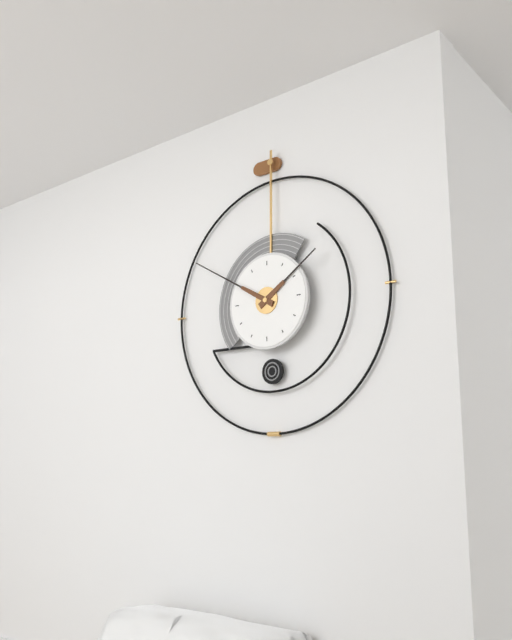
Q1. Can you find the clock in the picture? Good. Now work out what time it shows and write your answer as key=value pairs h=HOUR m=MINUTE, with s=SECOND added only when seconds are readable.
h=1 m=50
